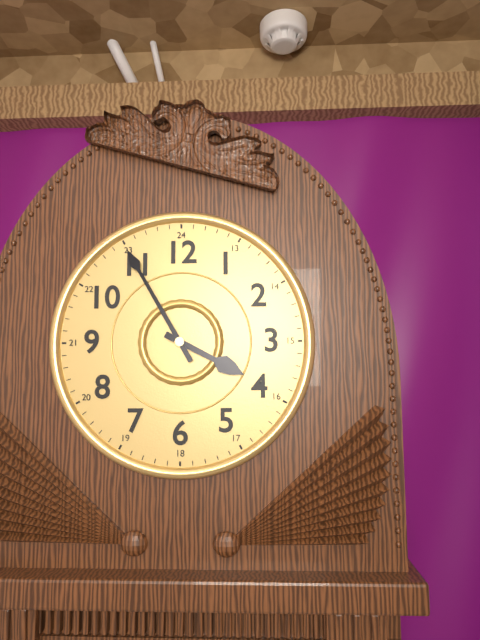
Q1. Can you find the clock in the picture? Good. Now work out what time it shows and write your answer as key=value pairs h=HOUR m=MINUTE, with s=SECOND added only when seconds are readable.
h=3 m=55
